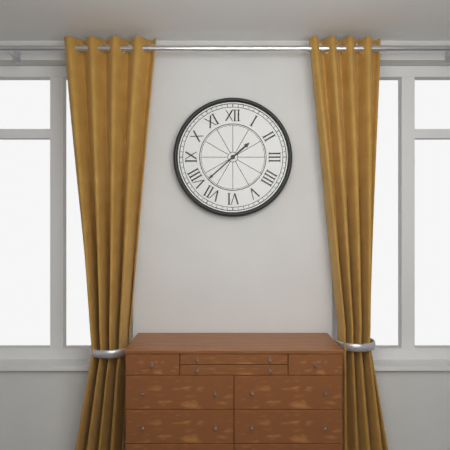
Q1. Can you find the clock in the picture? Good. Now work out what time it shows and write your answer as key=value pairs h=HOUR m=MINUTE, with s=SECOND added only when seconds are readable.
h=1 m=38
